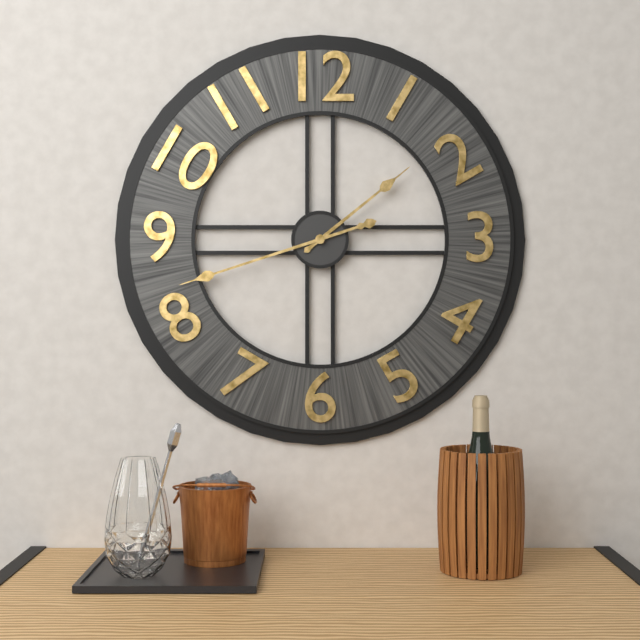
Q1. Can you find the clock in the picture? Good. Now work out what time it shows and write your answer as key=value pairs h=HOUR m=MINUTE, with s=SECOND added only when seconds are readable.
h=1 m=42
